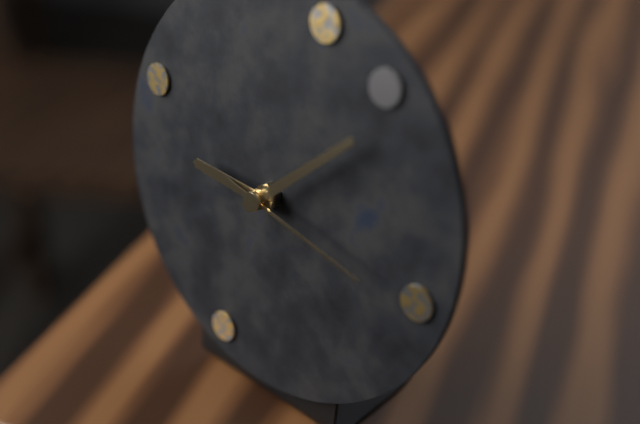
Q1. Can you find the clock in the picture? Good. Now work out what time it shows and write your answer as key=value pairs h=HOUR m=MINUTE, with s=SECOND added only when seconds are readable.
h=9 m=8 s=17
